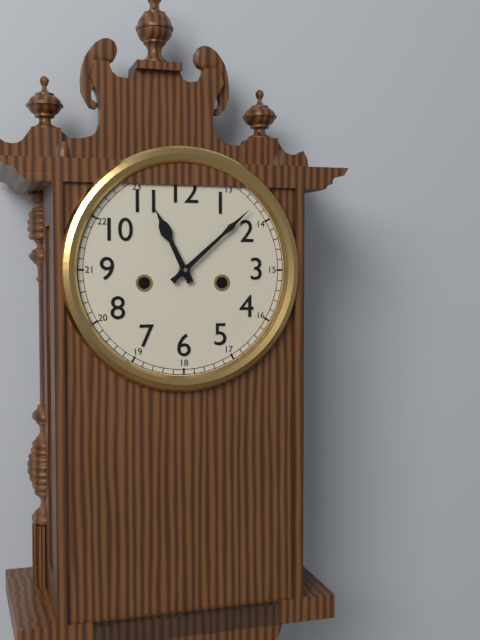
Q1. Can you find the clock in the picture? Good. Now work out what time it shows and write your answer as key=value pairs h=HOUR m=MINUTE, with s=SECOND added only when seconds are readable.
h=11 m=8
